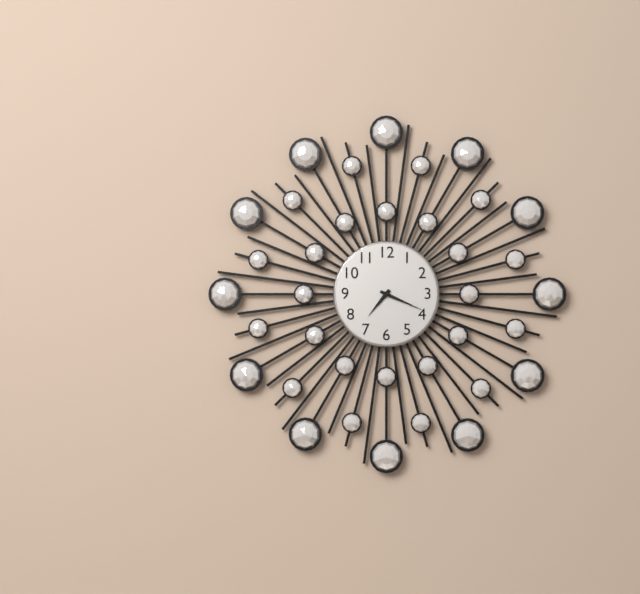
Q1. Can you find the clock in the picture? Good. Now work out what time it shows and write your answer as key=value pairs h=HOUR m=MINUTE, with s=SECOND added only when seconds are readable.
h=7 m=19
